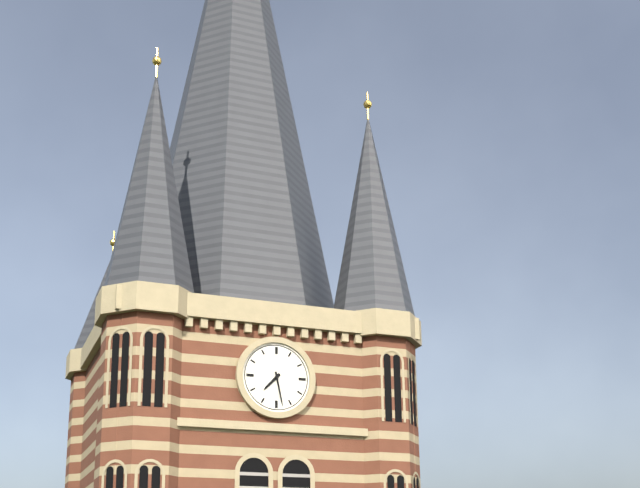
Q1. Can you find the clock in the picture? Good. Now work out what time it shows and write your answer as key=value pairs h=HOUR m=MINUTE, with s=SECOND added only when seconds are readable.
h=7 m=28
